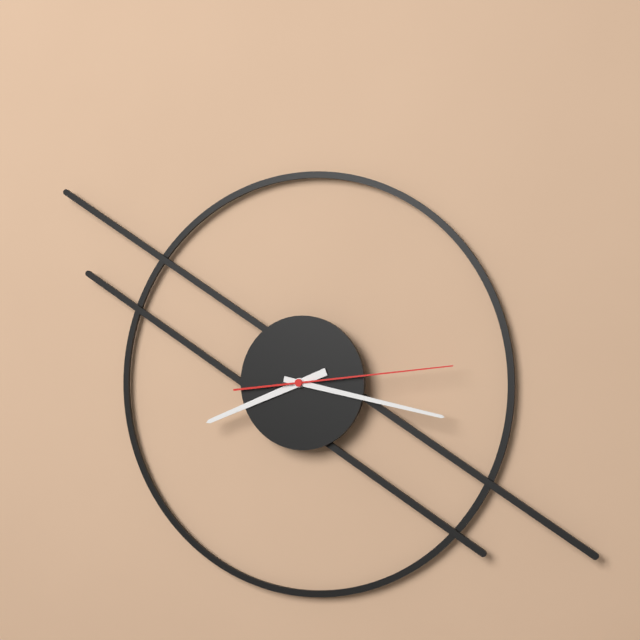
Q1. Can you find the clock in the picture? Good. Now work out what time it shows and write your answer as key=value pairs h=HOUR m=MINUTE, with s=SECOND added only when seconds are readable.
h=8 m=17 s=14
